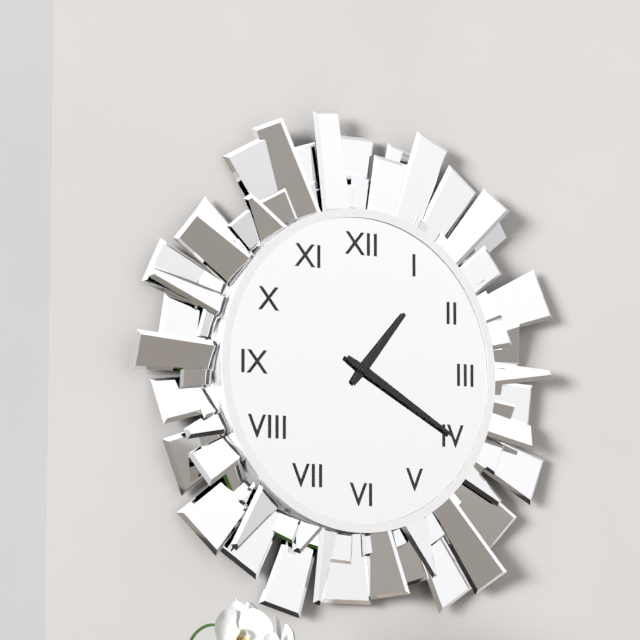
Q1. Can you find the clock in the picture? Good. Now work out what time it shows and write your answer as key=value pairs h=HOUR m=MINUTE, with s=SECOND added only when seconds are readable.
h=1 m=20
